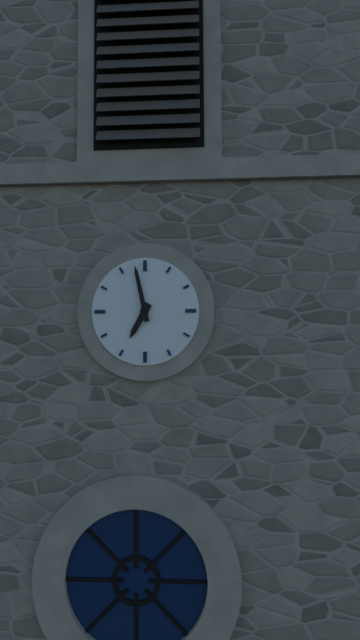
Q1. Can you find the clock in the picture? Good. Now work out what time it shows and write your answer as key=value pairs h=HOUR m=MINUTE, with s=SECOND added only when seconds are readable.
h=6 m=58
